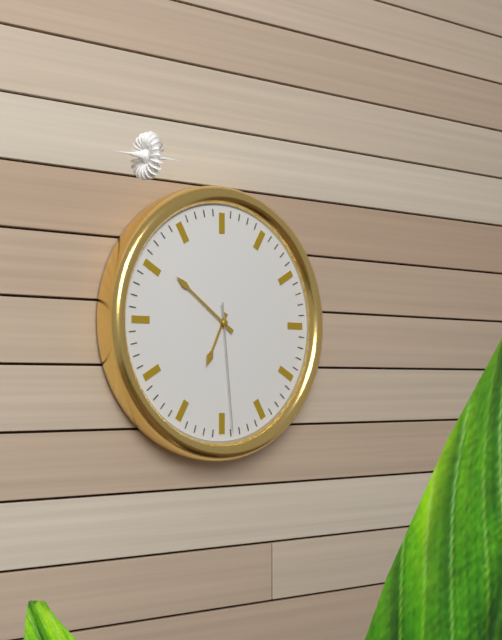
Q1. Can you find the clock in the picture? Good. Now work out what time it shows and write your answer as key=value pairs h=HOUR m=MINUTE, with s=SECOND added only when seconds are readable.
h=6 m=51 s=29
